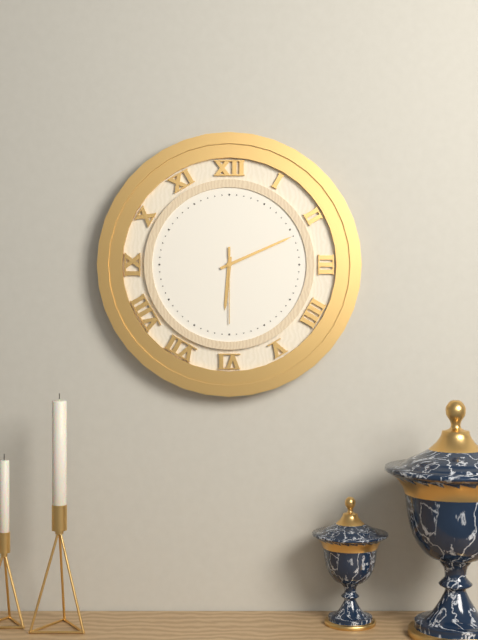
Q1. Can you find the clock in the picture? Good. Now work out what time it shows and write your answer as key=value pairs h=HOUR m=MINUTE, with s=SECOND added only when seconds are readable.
h=6 m=11 s=30
